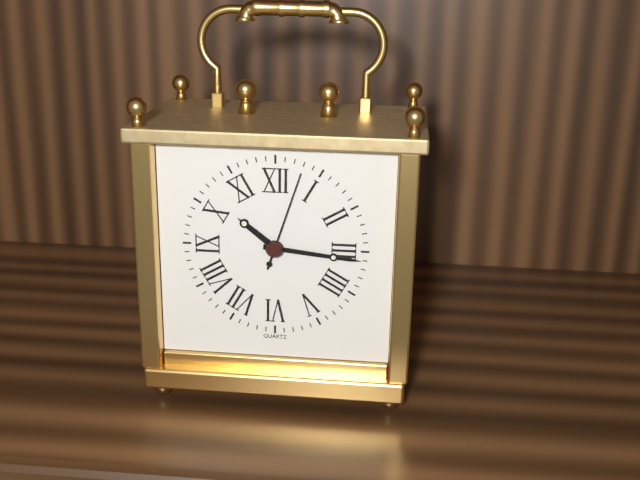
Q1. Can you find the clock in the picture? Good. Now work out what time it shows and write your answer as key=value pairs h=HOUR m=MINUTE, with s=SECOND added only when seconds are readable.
h=10 m=16 s=3
